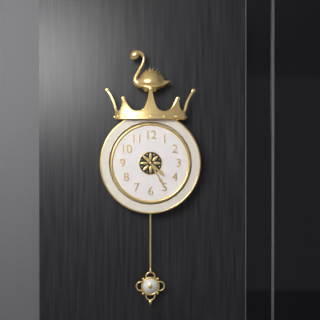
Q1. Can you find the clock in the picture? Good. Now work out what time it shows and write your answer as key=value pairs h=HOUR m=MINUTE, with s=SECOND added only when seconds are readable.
h=4 m=25
